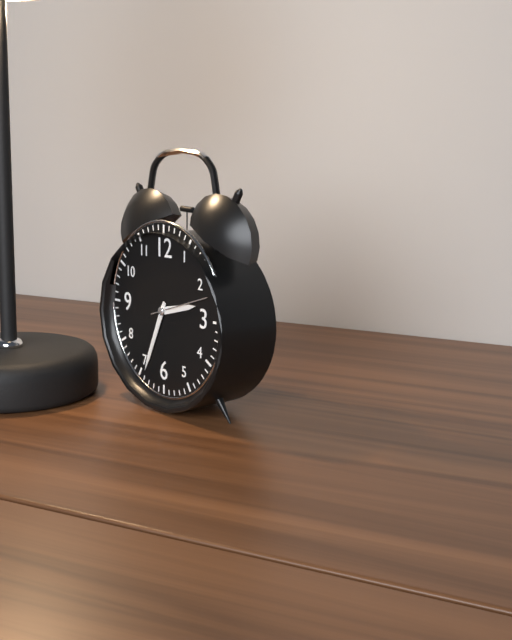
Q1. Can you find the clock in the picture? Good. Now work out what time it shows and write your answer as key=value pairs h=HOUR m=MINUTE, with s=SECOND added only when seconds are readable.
h=2 m=34 s=12
